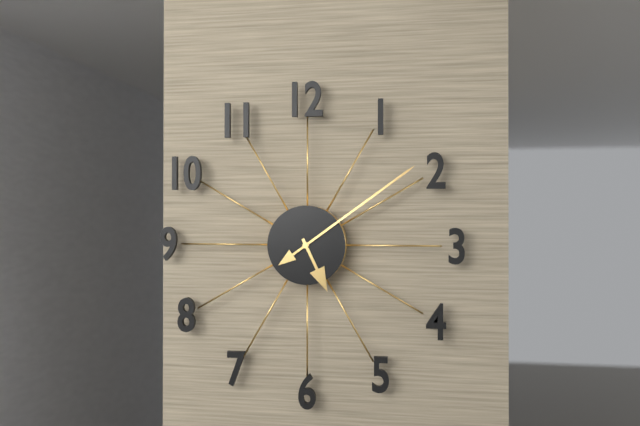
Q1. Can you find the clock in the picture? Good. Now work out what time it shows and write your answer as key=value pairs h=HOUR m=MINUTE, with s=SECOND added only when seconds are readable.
h=5 m=9
